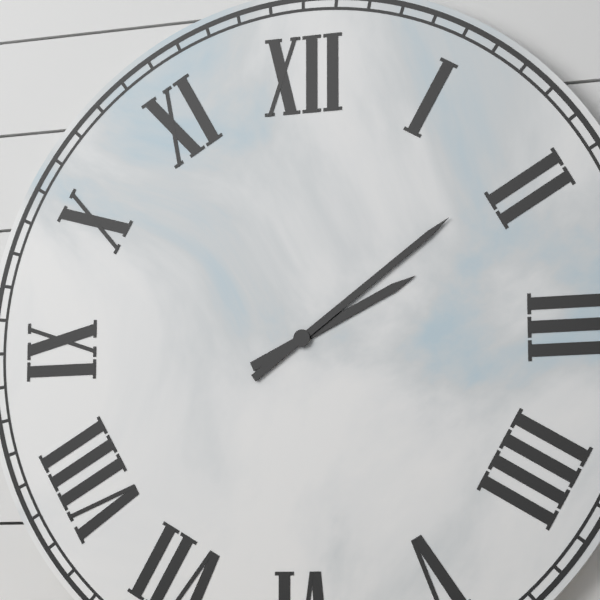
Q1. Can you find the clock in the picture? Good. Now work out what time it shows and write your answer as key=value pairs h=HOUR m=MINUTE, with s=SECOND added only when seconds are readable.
h=2 m=9
